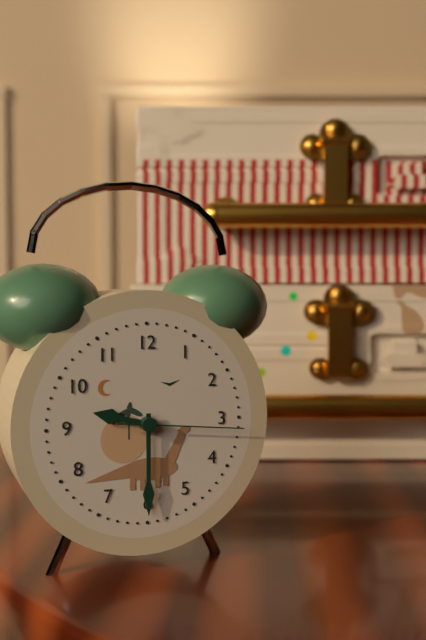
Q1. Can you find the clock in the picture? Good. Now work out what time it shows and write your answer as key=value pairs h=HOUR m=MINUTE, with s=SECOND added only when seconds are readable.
h=9 m=30 s=16
